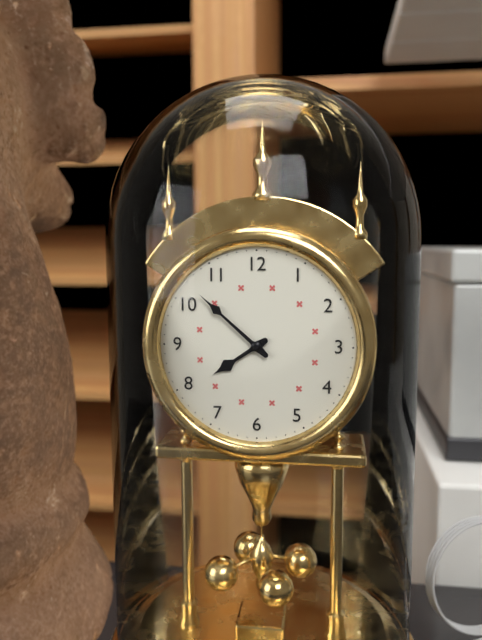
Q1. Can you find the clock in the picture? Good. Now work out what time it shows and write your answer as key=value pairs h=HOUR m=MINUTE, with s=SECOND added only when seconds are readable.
h=7 m=52
